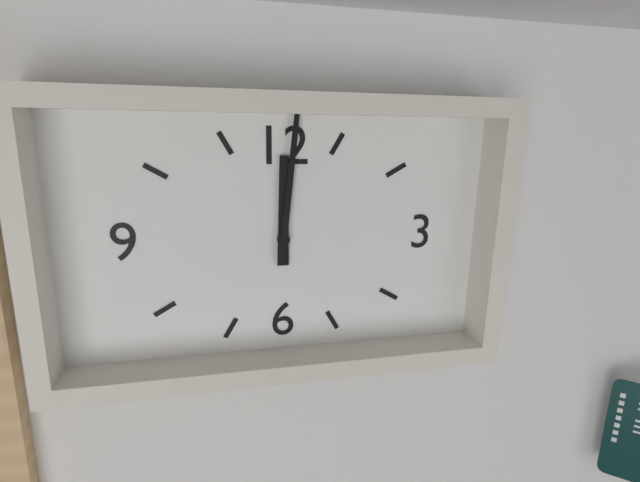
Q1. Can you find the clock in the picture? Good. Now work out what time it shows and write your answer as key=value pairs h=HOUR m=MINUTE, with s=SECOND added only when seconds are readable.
h=12 m=1
